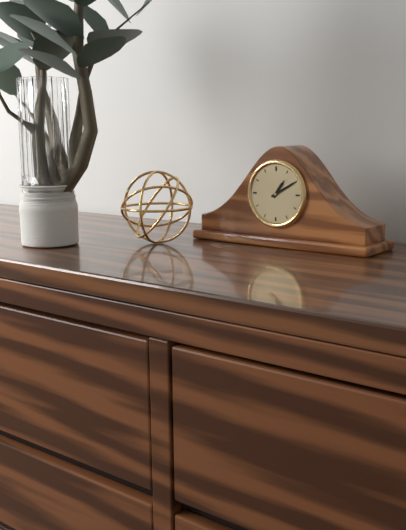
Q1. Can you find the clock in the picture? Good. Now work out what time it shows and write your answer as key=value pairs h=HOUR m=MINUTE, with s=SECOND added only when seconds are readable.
h=1 m=10
